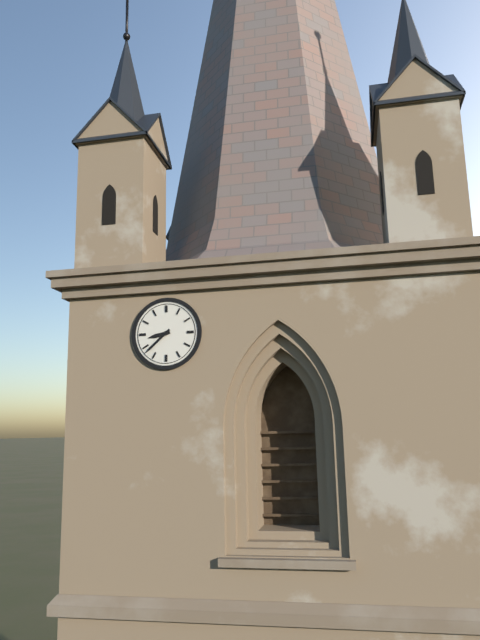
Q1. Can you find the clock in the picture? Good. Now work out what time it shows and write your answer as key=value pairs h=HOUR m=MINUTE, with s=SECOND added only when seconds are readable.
h=8 m=38
